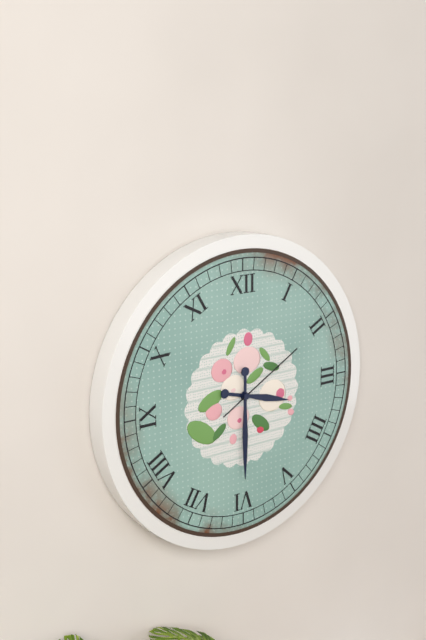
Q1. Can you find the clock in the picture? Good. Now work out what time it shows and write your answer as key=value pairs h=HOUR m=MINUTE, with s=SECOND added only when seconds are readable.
h=3 m=30 s=10
